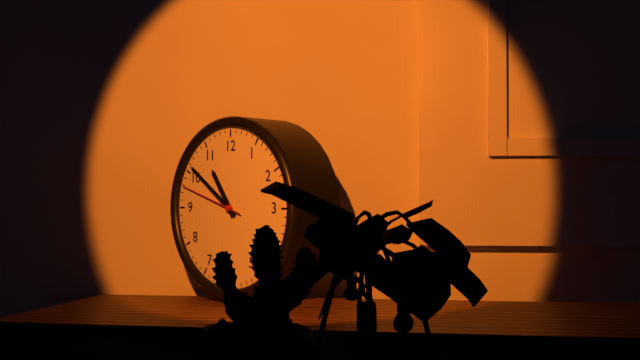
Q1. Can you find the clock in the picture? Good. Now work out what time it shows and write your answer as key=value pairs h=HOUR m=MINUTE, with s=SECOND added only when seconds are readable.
h=10 m=51 s=48
